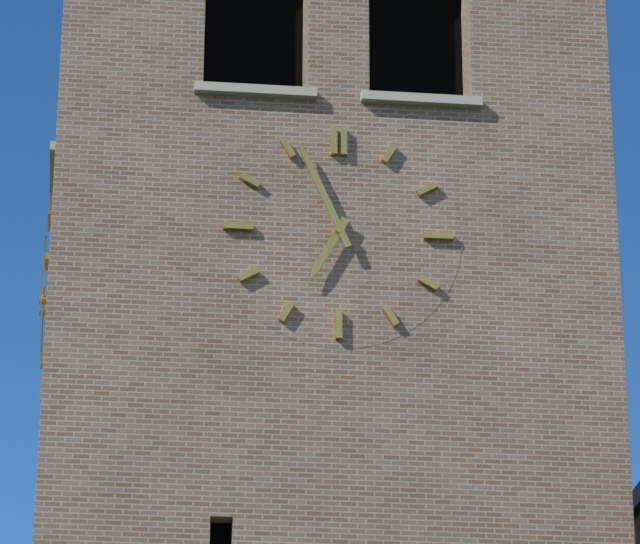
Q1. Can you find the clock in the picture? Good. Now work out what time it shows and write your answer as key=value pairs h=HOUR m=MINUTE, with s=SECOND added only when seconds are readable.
h=6 m=56
